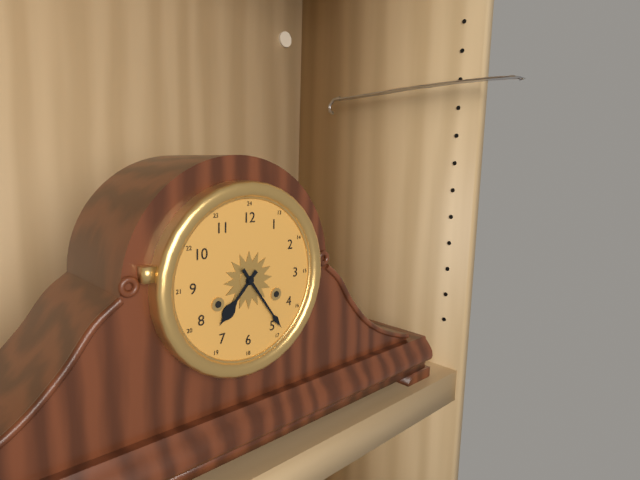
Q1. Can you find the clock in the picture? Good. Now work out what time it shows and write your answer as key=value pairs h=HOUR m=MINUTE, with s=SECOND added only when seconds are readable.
h=7 m=24
